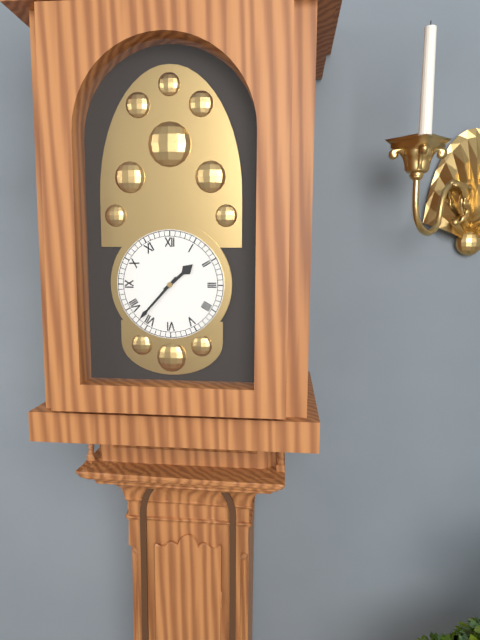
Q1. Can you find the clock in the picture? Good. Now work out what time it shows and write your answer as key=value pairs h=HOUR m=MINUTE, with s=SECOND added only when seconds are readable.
h=1 m=37
